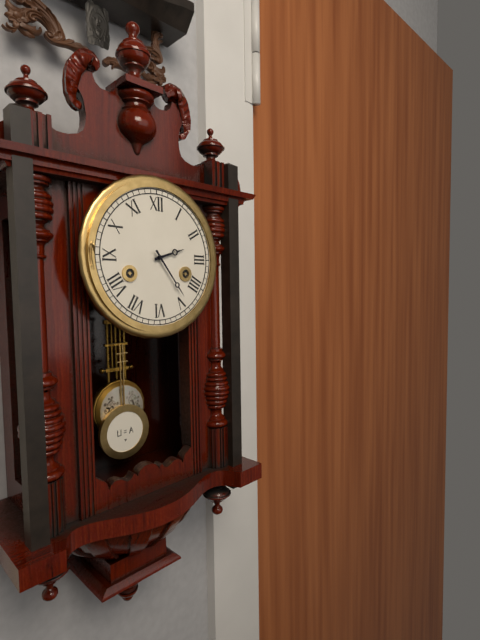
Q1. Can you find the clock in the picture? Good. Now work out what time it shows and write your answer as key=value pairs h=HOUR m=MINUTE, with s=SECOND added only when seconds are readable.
h=2 m=24
